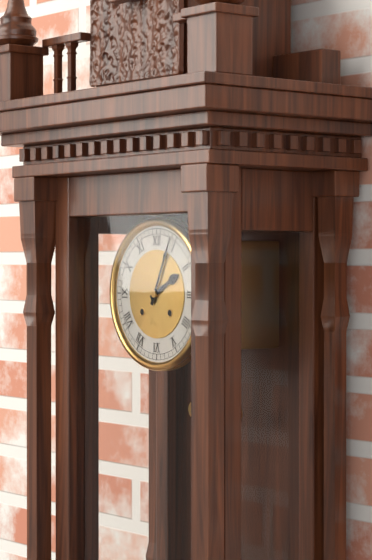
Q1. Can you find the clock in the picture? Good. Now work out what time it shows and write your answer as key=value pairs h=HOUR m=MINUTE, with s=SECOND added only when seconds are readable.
h=2 m=4
